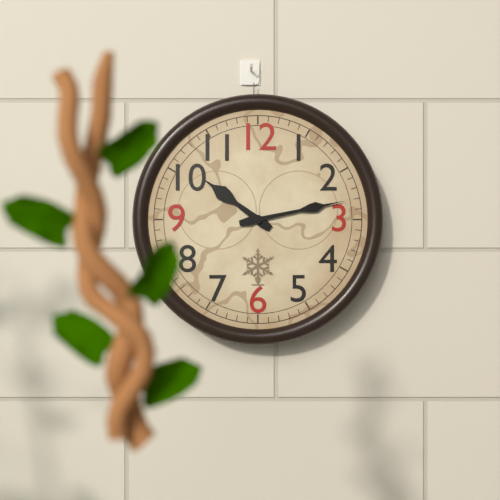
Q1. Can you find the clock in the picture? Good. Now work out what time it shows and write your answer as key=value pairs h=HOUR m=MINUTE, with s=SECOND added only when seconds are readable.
h=10 m=13
